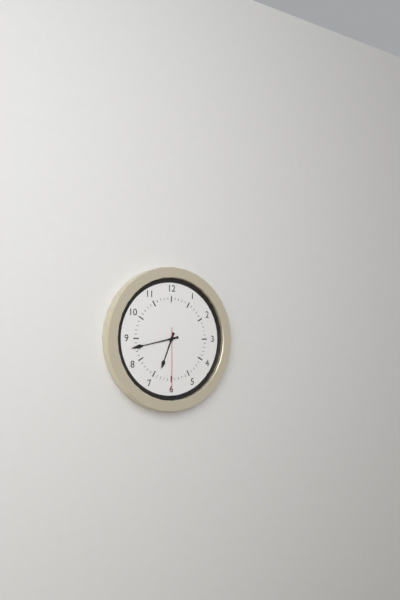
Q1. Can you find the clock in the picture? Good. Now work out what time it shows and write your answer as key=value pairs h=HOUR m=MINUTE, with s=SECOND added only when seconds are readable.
h=6 m=43 s=30
